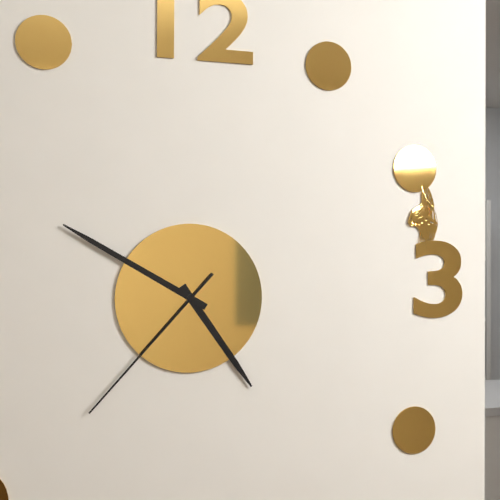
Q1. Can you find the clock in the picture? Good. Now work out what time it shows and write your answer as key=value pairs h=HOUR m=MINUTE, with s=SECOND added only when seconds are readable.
h=4 m=50 s=37
